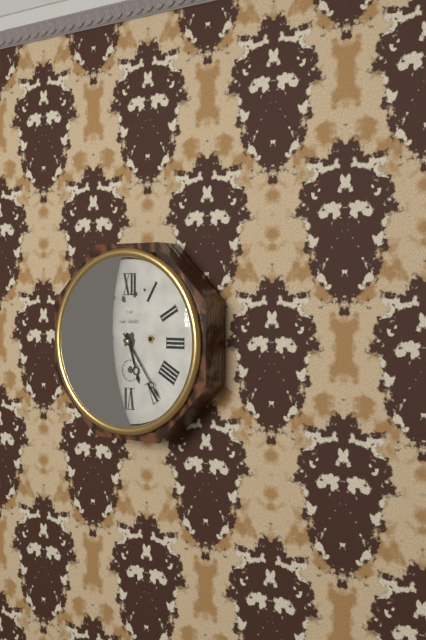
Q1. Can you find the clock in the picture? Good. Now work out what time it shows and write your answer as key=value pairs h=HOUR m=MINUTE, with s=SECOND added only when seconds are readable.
h=5 m=24
